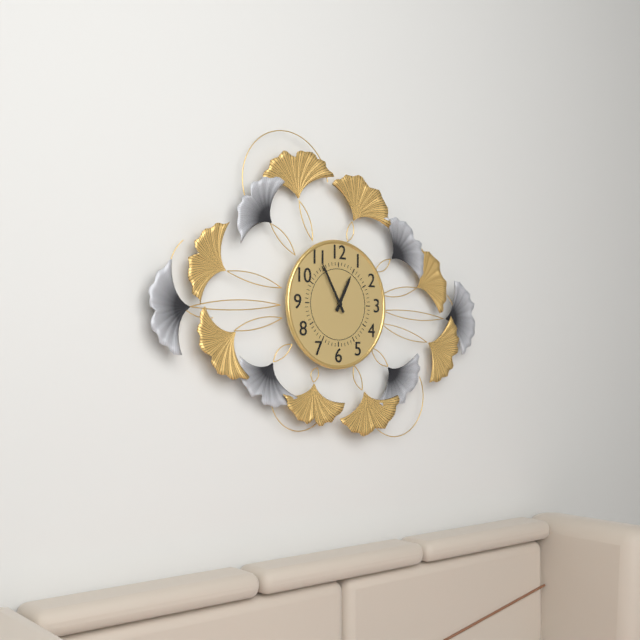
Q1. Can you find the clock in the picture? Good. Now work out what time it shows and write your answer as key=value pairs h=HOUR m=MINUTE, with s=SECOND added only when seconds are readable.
h=12 m=55
